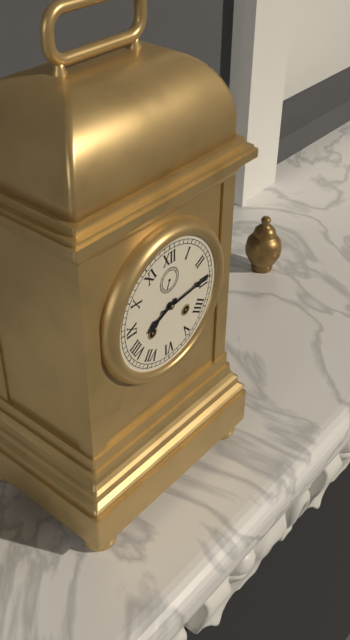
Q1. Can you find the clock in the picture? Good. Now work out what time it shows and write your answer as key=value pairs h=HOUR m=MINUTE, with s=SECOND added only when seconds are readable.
h=8 m=14
